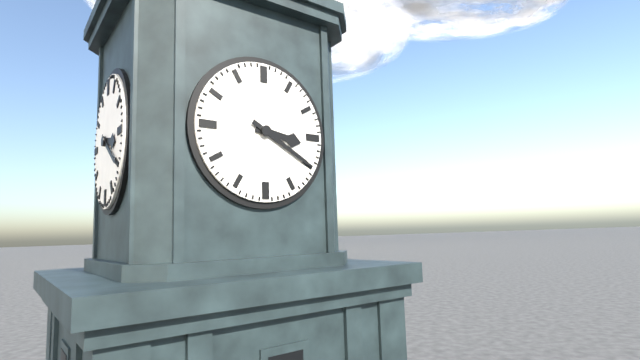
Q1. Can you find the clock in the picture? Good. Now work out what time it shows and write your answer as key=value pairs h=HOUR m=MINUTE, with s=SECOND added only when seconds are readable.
h=3 m=20
